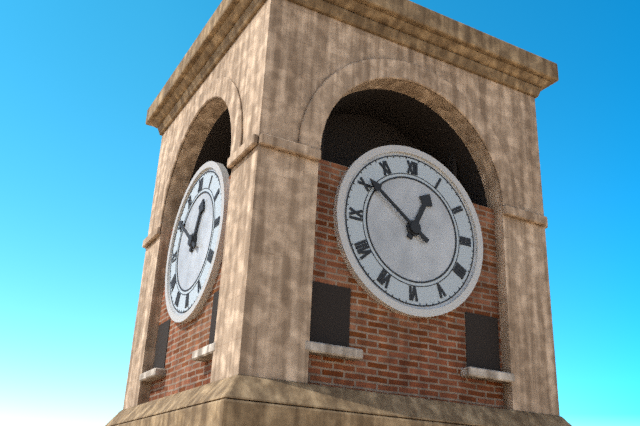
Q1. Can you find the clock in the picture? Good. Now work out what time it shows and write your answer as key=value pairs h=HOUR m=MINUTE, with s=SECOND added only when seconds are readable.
h=12 m=51
